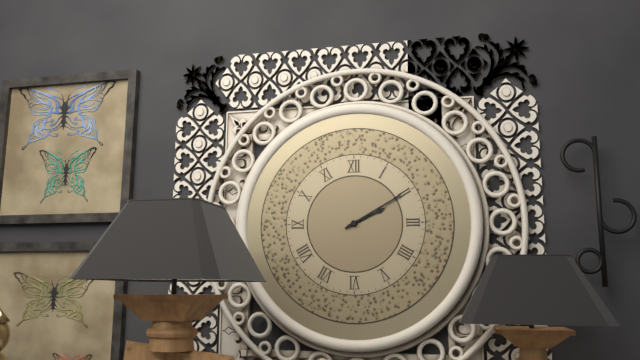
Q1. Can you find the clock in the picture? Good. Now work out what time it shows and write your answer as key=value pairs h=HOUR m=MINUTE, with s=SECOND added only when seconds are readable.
h=2 m=10
